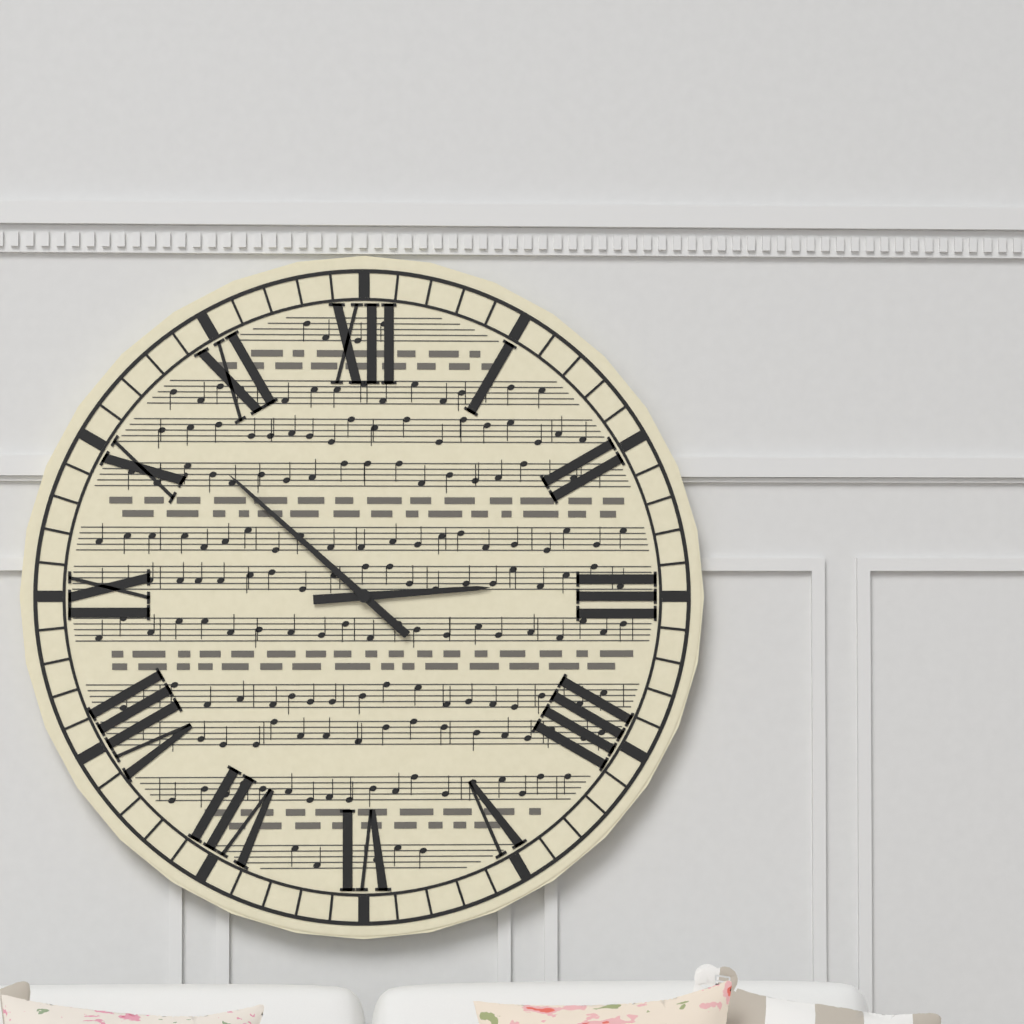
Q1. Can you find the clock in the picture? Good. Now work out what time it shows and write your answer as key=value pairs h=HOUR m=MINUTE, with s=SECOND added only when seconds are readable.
h=2 m=52
